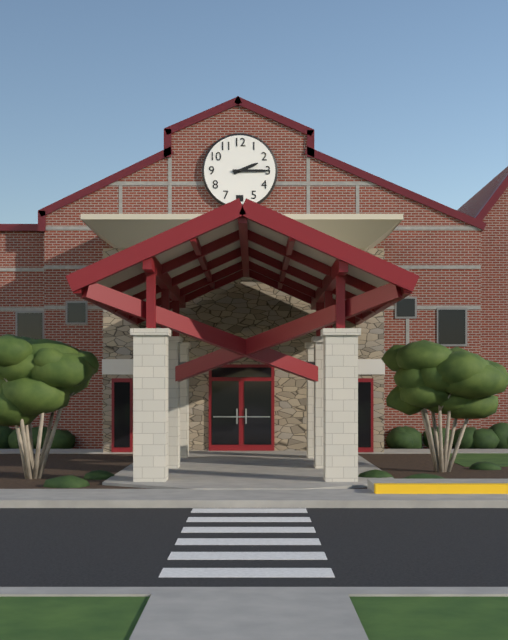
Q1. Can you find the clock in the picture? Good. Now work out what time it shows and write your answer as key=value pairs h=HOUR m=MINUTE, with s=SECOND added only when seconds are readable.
h=2 m=15
